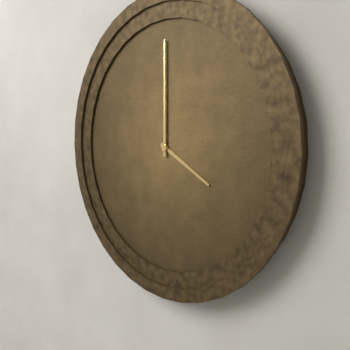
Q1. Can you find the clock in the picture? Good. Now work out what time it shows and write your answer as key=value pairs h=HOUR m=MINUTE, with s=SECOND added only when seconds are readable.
h=4 m=0
